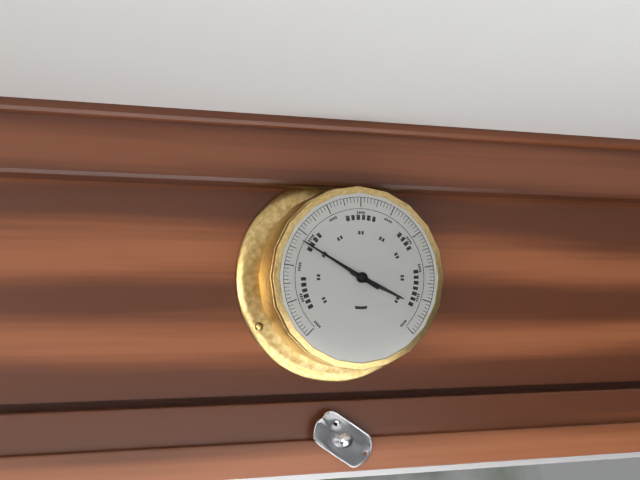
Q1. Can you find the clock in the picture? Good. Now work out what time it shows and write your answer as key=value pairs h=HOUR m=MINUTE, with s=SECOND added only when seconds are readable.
h=3 m=50
